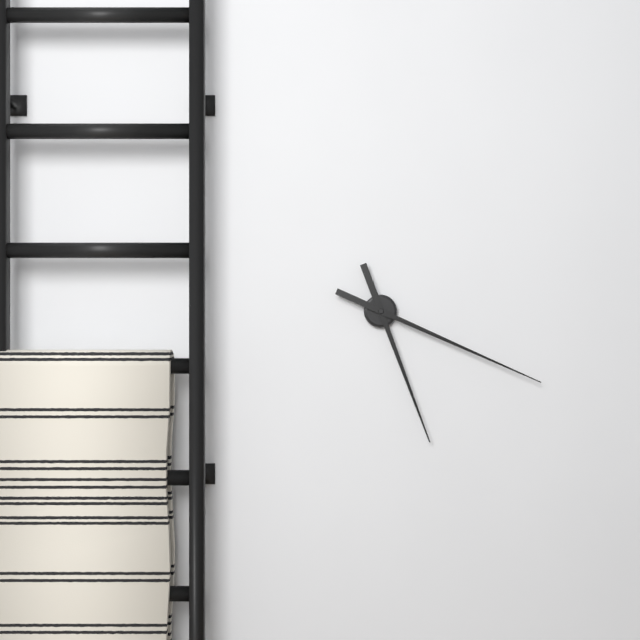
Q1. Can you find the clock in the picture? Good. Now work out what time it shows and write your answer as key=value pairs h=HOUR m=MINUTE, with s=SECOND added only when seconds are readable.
h=5 m=19
